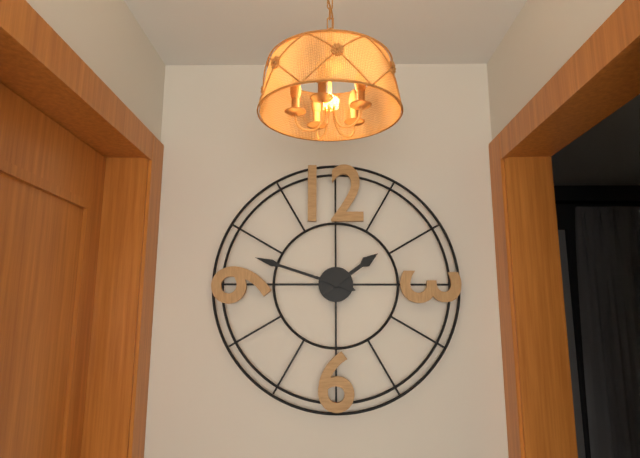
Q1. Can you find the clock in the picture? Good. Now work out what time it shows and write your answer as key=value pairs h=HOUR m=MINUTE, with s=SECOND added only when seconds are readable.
h=1 m=48
